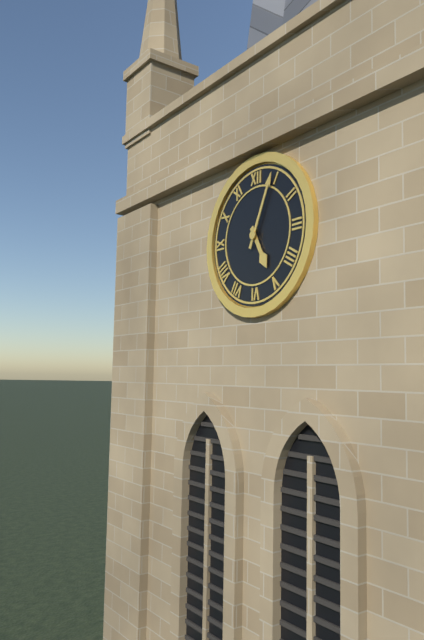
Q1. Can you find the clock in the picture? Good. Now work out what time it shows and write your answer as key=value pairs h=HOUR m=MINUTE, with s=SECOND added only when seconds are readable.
h=5 m=4
